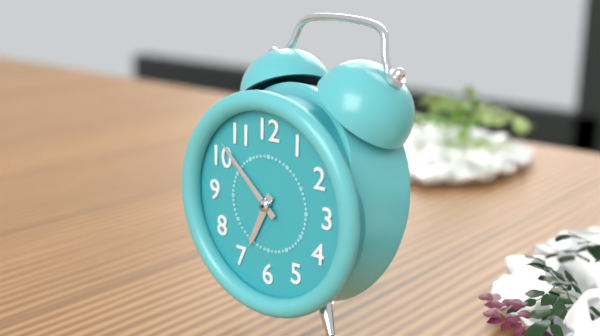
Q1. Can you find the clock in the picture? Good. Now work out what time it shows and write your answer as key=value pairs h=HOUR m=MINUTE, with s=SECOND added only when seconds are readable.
h=6 m=52
